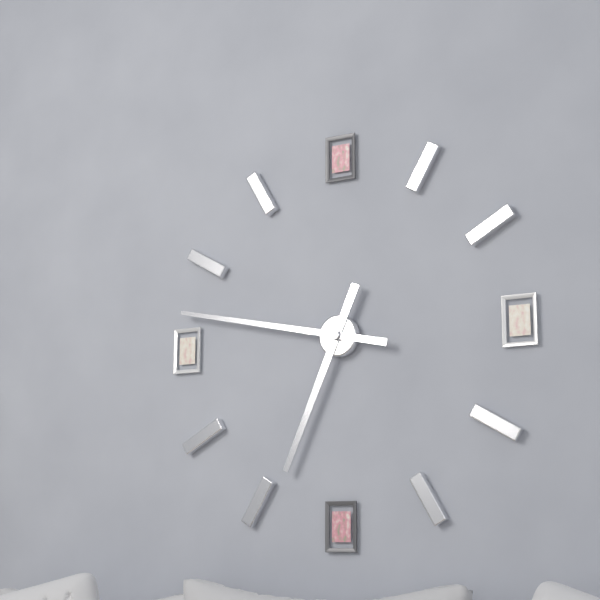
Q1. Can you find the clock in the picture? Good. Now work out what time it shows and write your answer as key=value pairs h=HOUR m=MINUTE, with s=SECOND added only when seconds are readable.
h=6 m=47
